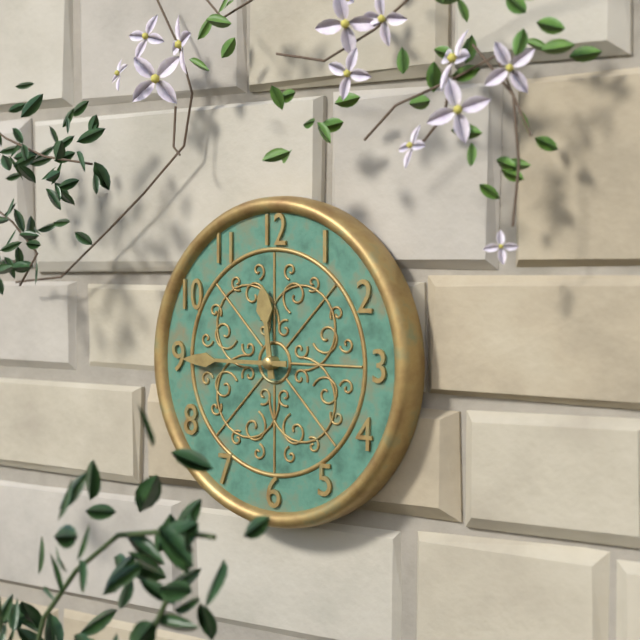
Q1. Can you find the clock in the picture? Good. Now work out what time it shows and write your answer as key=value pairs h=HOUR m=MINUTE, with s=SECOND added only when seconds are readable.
h=11 m=45
